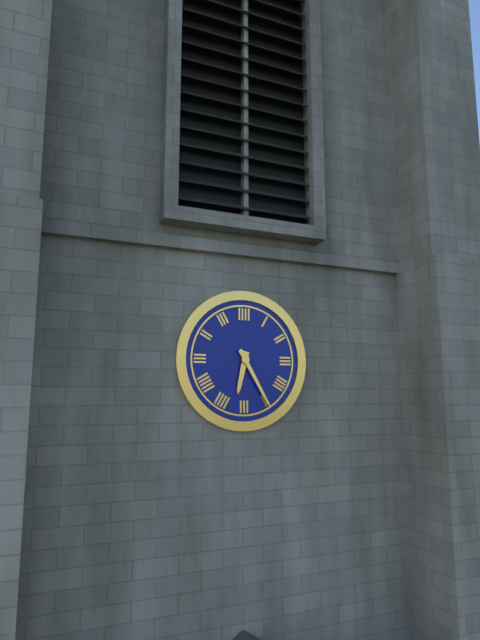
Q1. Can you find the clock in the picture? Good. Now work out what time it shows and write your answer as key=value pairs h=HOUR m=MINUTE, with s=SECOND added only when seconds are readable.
h=6 m=25
